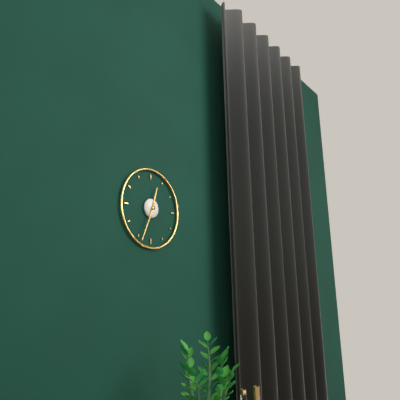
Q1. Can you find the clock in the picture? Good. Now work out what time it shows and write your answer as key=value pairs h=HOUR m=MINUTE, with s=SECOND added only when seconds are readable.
h=12 m=34
